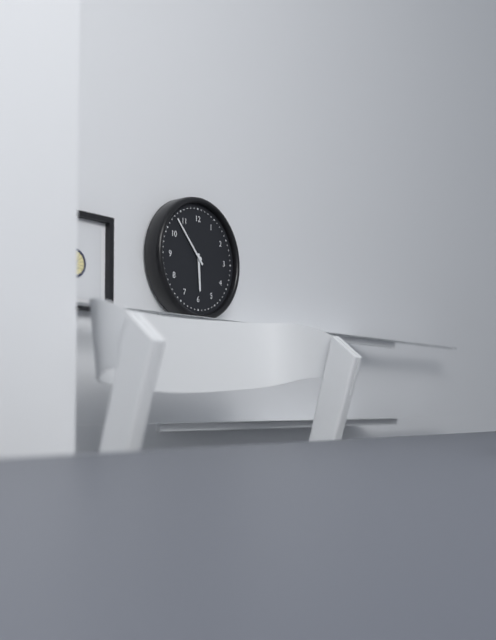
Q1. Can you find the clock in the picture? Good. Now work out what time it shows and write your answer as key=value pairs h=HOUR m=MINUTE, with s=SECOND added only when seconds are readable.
h=5 m=53
